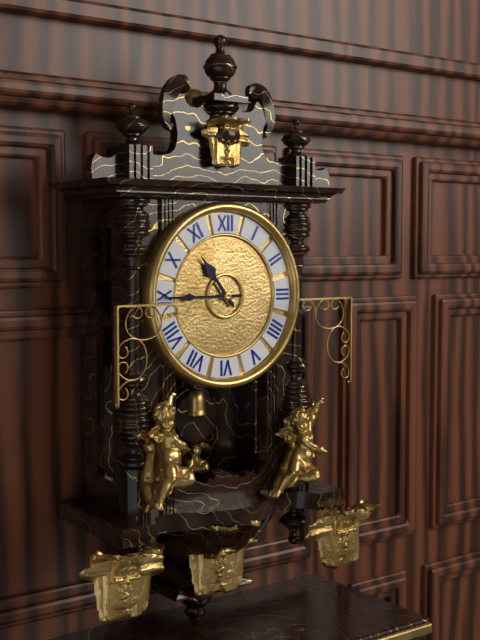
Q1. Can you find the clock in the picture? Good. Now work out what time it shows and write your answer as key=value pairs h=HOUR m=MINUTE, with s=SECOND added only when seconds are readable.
h=10 m=45
